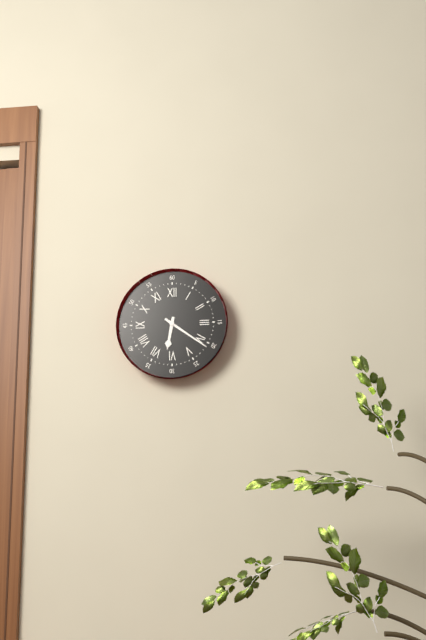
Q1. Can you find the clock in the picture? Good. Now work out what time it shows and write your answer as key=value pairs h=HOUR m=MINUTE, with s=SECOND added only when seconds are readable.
h=6 m=21
